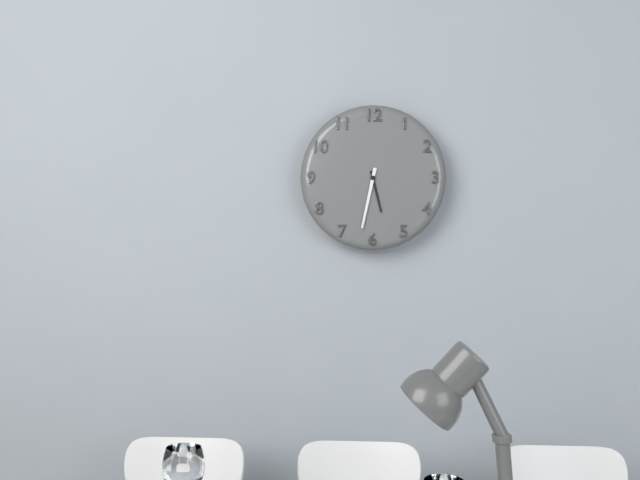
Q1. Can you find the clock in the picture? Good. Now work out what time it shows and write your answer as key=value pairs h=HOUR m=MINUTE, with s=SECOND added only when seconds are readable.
h=5 m=32
